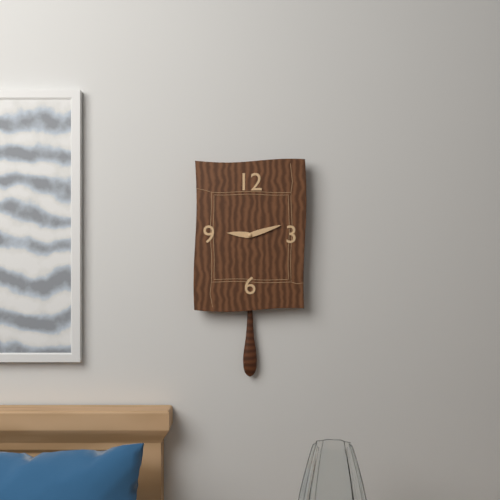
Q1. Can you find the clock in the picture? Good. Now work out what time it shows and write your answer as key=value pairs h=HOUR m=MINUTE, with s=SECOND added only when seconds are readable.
h=9 m=12
